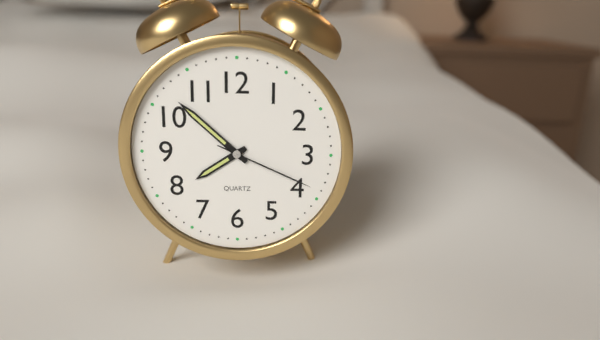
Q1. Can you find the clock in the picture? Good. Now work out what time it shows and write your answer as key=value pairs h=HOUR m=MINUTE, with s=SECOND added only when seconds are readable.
h=7 m=52 s=19
